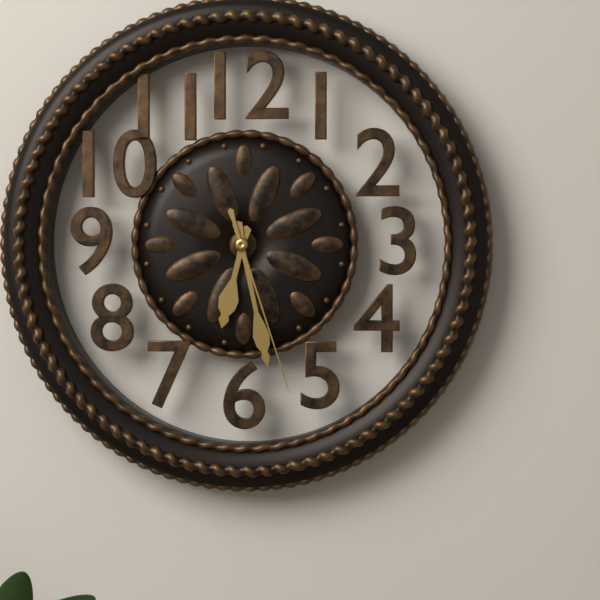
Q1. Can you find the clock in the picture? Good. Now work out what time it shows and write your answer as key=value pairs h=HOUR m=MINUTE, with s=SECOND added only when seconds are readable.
h=6 m=28 s=27
